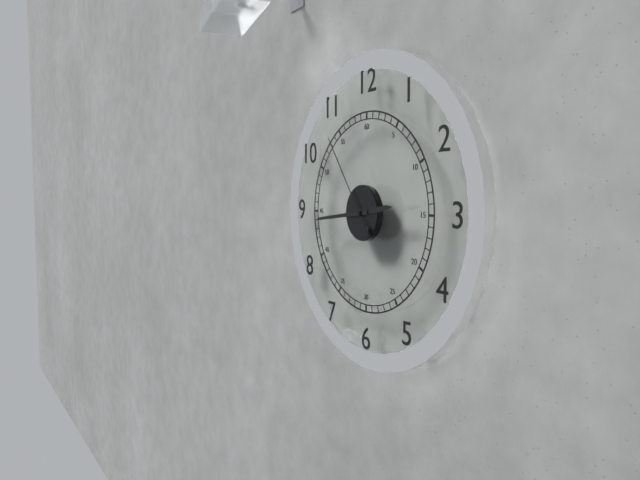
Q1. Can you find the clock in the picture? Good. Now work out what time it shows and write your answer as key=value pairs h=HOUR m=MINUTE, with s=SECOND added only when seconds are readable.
h=2 m=44 s=54
